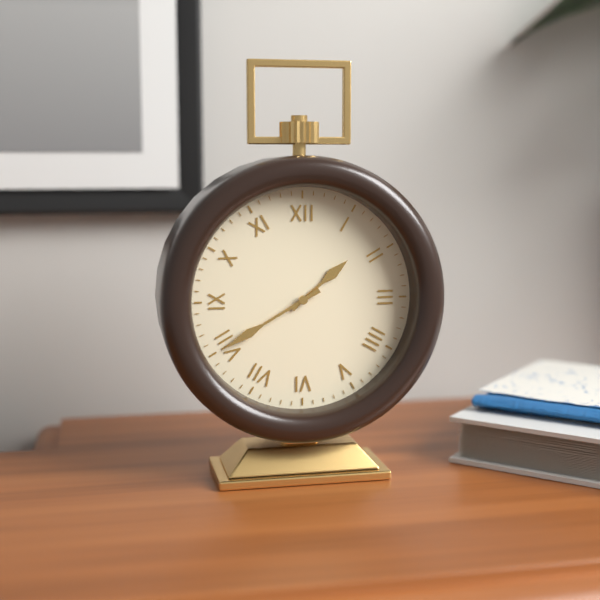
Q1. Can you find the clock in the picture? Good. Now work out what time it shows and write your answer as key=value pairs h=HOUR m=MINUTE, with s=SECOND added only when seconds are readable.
h=1 m=40
